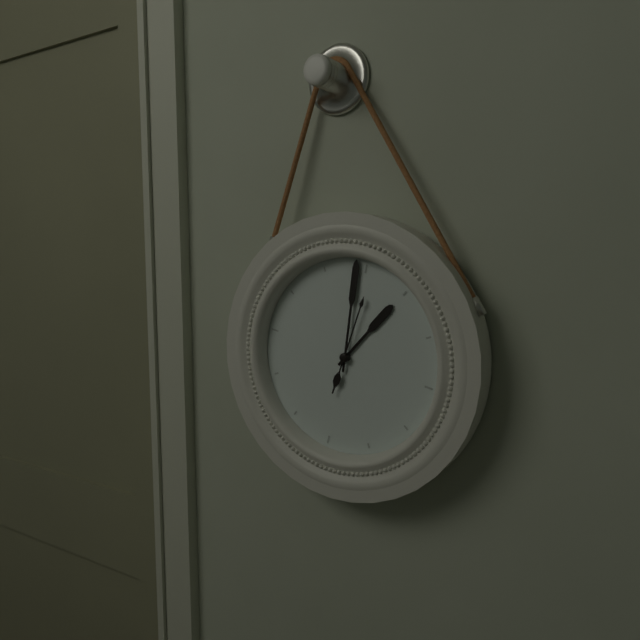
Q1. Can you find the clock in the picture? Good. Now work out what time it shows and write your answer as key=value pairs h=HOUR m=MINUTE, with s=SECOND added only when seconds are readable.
h=12 m=59 s=1
